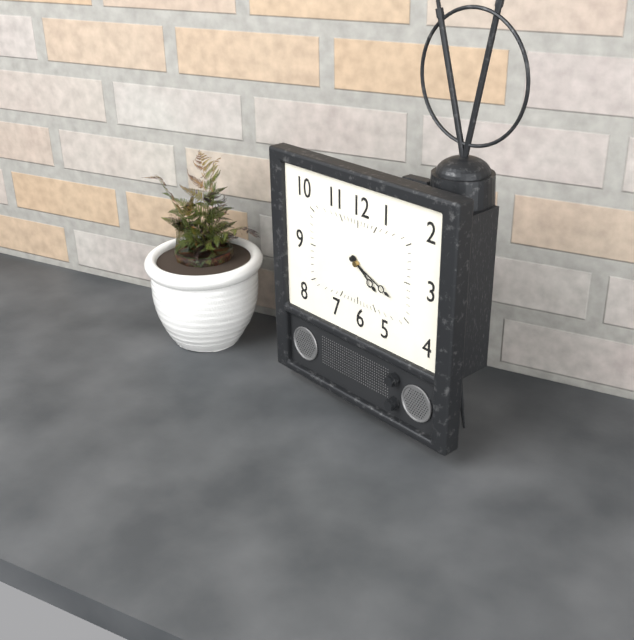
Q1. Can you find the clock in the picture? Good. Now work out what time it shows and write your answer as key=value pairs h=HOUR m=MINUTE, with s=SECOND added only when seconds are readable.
h=4 m=19
